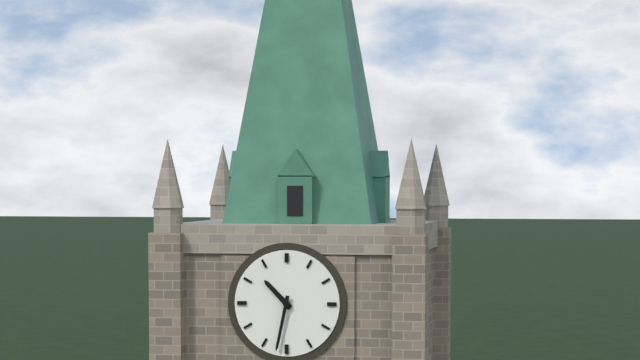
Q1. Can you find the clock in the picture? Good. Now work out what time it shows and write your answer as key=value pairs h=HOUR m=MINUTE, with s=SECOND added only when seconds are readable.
h=10 m=32
